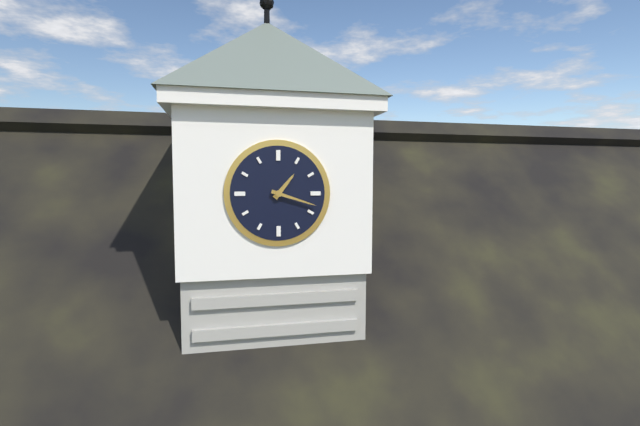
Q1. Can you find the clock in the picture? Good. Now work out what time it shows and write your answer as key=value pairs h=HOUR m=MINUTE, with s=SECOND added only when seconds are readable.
h=1 m=18
